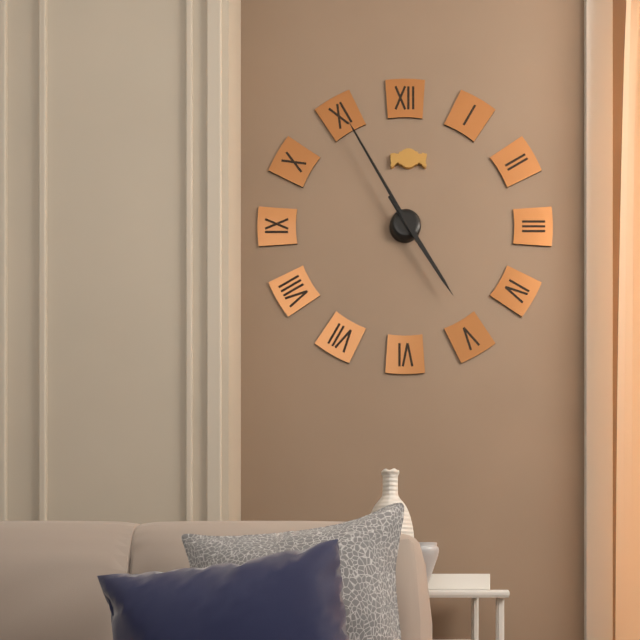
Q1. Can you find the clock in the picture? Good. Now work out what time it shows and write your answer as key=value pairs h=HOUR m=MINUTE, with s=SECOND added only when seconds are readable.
h=4 m=55
